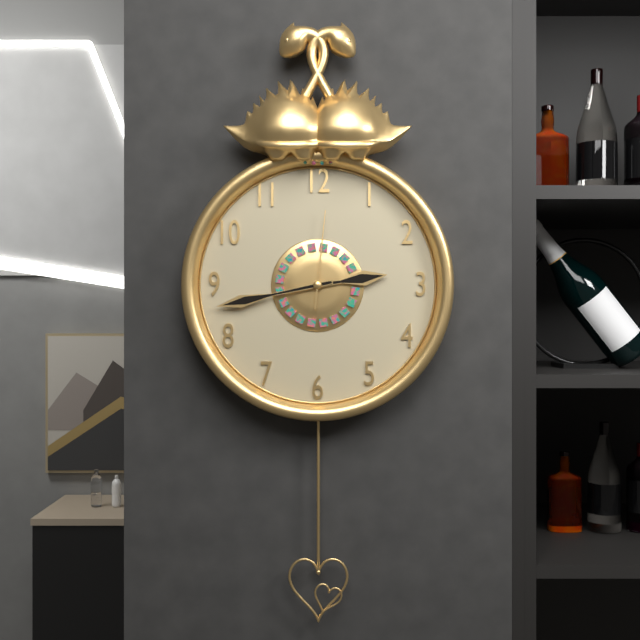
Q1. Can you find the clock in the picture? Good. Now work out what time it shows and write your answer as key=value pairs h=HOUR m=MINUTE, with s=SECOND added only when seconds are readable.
h=2 m=43 s=1
